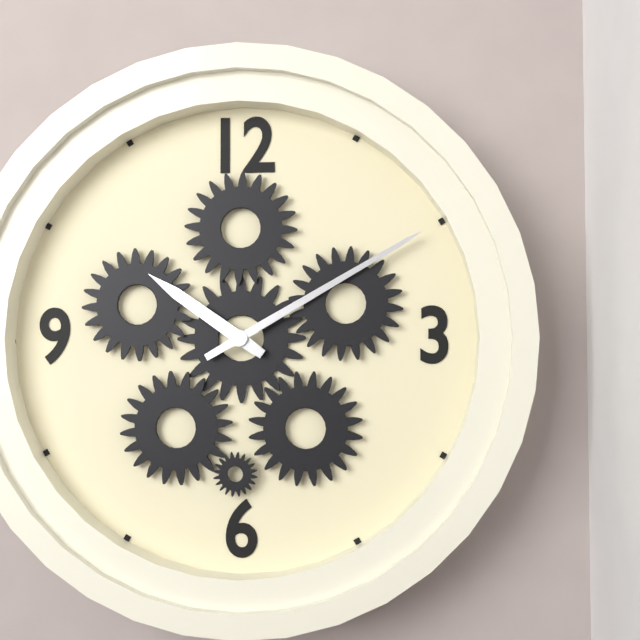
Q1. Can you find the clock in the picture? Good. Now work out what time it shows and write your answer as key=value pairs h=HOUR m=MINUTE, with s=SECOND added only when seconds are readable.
h=10 m=10
